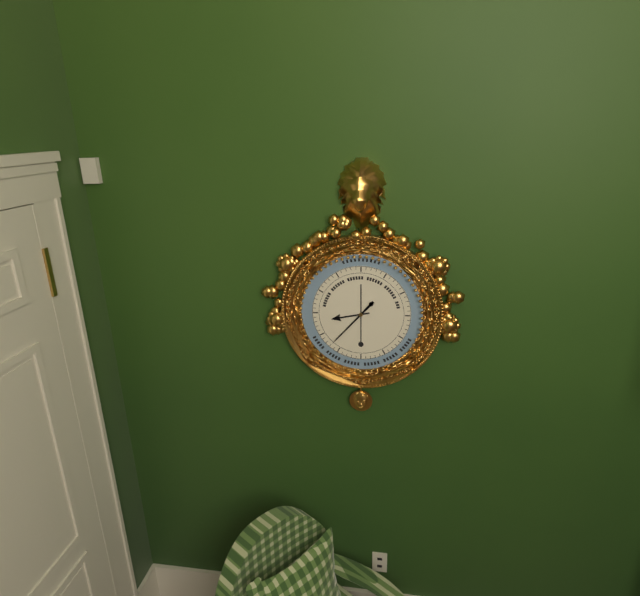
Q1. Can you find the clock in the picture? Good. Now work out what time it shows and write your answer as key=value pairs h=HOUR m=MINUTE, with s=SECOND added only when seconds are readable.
h=8 m=37
